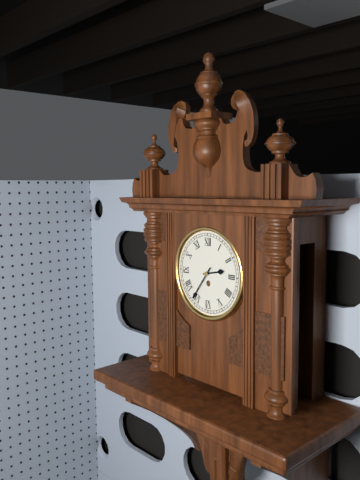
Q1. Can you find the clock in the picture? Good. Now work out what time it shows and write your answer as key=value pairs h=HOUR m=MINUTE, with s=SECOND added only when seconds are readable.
h=2 m=36
